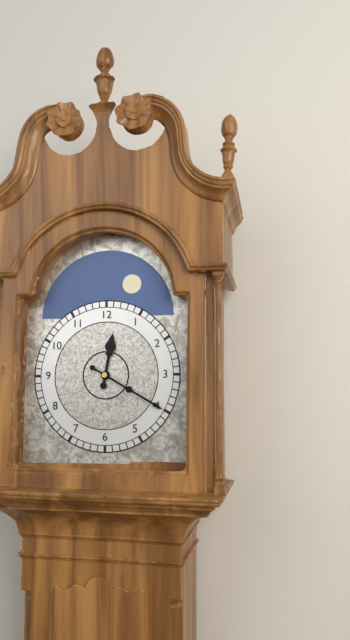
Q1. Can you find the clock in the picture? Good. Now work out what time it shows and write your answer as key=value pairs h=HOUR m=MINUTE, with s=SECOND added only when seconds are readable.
h=12 m=20
